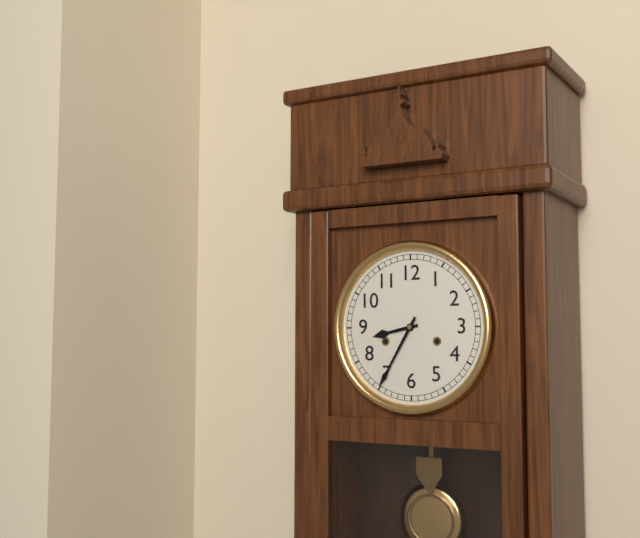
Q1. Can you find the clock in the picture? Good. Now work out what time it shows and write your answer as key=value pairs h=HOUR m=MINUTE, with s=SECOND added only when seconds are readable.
h=8 m=35
